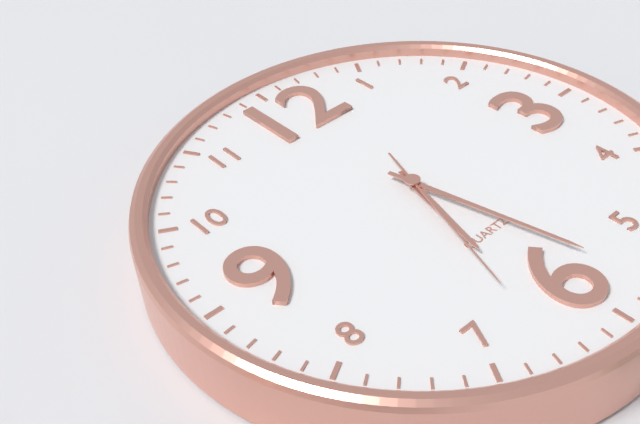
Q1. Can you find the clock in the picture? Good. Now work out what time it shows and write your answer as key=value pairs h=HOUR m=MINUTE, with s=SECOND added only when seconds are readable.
h=6 m=28 s=33
